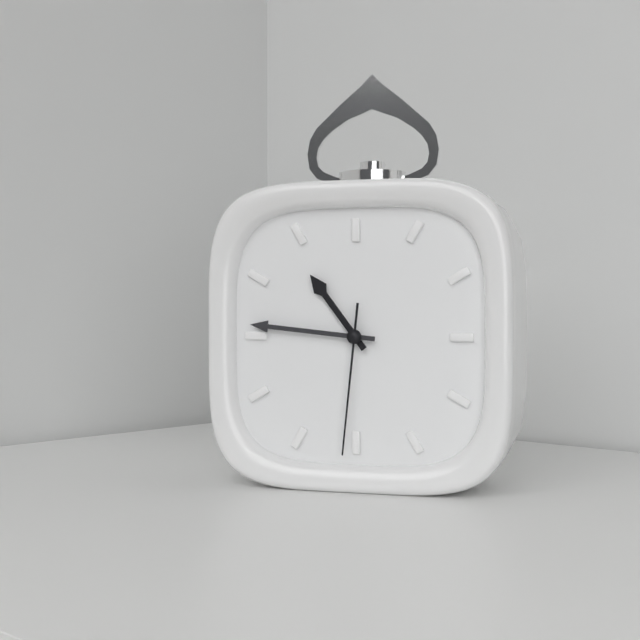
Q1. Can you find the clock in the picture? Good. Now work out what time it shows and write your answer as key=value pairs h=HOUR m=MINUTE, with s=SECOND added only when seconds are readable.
h=10 m=46 s=31
